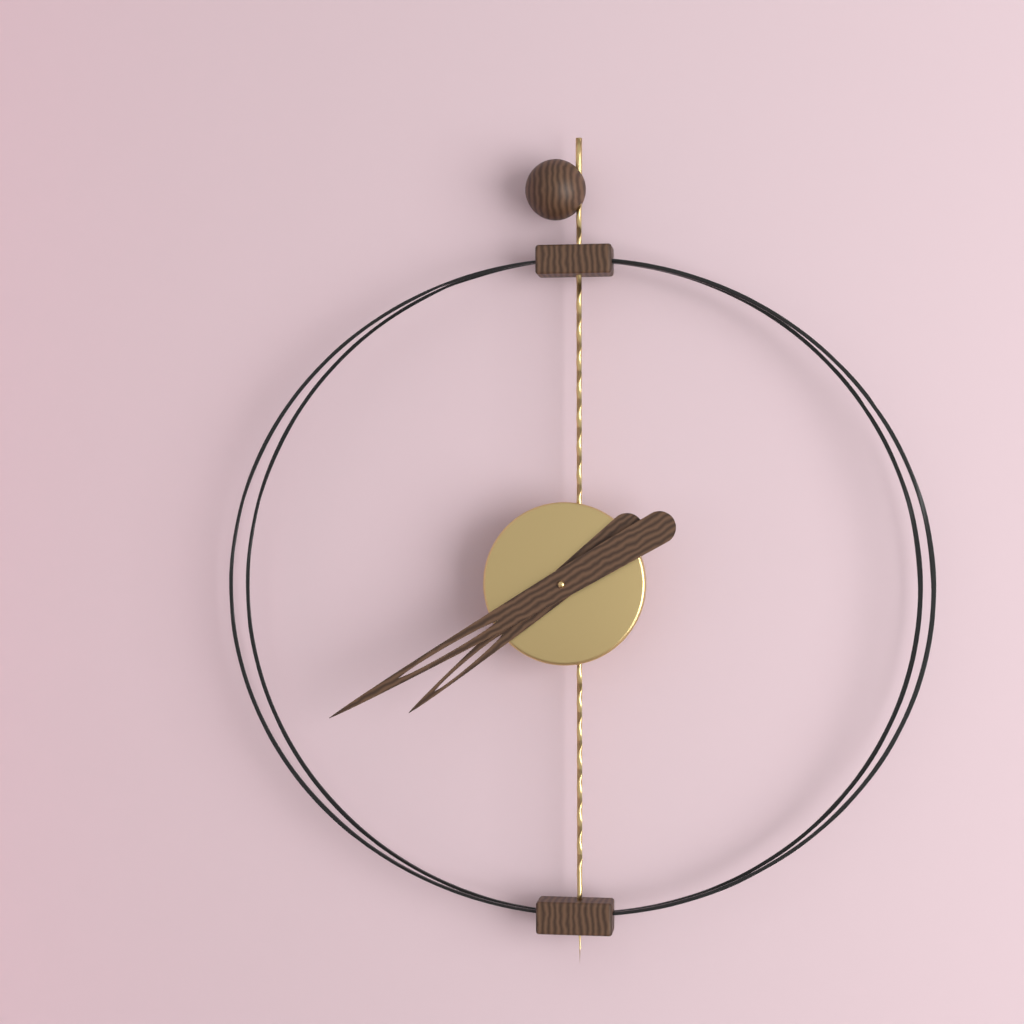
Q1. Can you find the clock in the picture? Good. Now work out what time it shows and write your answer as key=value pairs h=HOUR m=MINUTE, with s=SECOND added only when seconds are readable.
h=7 m=40
